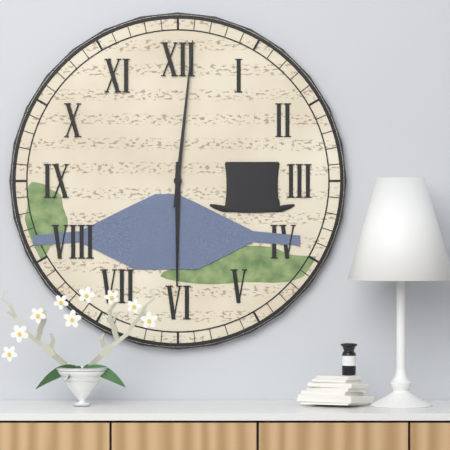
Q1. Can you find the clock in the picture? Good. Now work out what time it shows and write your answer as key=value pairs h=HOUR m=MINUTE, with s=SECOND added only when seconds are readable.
h=6 m=1
